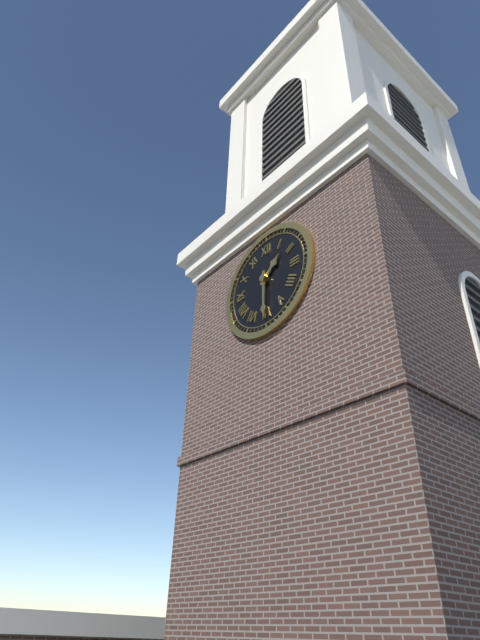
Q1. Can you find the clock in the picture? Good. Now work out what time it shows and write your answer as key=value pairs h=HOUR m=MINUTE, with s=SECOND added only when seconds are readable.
h=1 m=30
